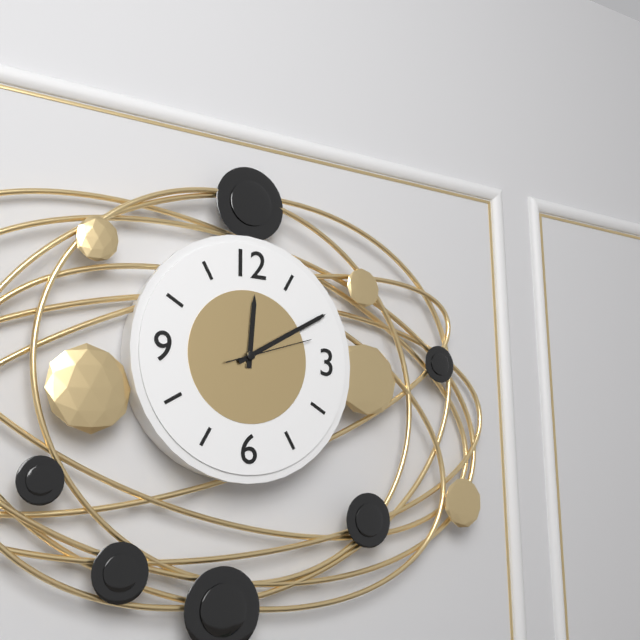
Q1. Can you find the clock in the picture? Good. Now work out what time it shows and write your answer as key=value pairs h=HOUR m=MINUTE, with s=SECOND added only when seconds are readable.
h=12 m=10 s=12
